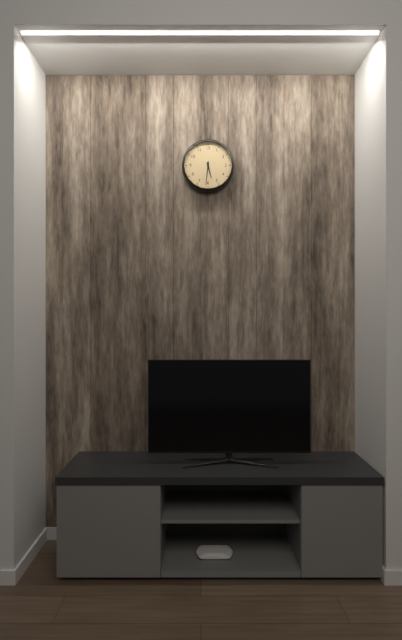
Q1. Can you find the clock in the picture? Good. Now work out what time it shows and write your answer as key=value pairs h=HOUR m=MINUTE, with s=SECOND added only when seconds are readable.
h=5 m=31
